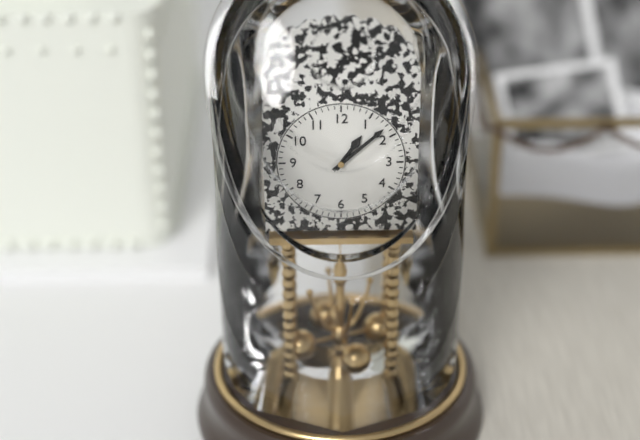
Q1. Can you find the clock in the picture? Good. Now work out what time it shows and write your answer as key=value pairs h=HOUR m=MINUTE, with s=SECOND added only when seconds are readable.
h=1 m=8
